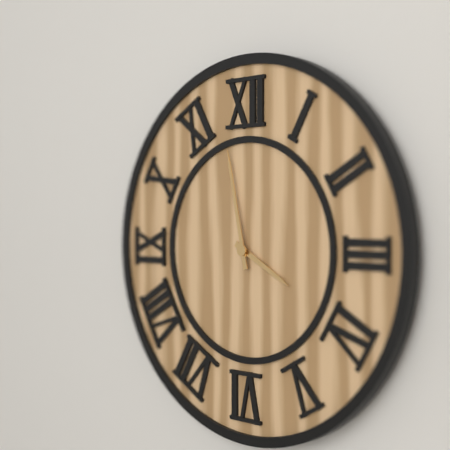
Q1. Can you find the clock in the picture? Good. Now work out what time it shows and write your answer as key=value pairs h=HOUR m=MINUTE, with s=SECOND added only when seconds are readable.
h=3 m=58
